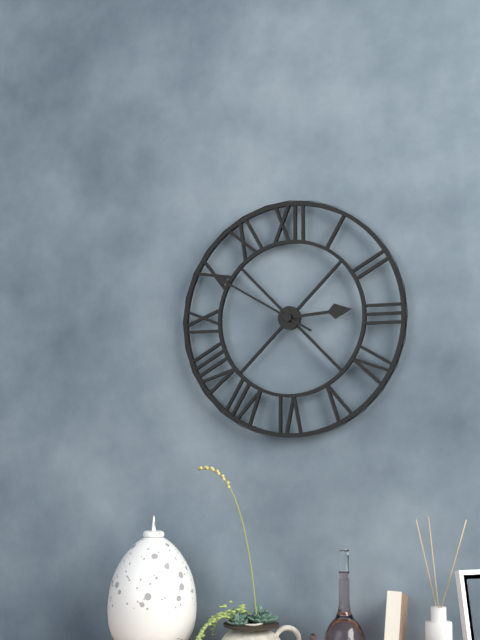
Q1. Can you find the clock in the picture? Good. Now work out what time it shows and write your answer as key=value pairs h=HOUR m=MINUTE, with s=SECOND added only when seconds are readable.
h=2 m=50
